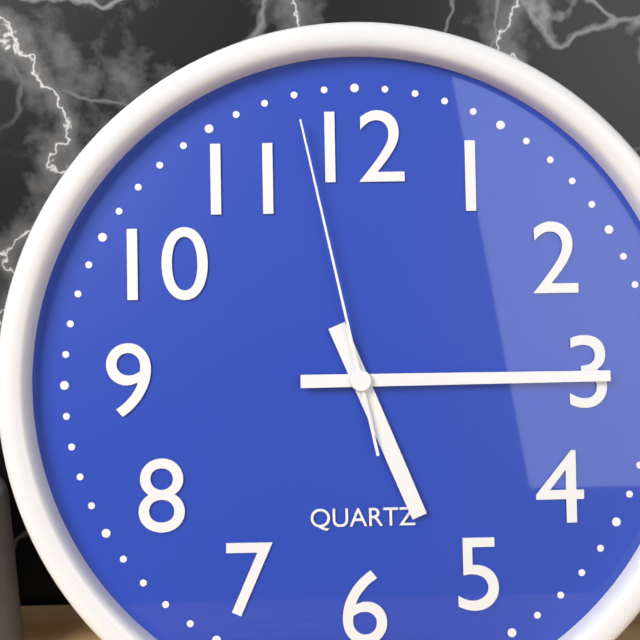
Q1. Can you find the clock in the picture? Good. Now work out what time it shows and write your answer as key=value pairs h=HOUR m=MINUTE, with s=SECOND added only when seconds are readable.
h=5 m=15 s=58
